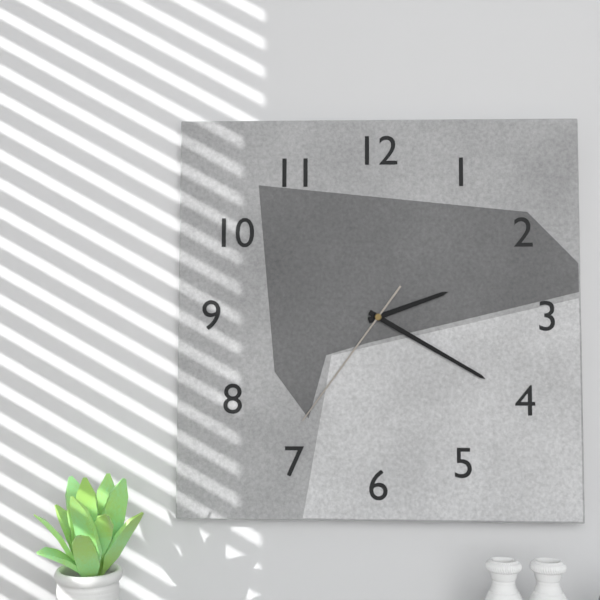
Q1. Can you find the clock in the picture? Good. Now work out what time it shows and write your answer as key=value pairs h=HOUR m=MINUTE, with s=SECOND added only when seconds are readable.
h=2 m=20 s=36
